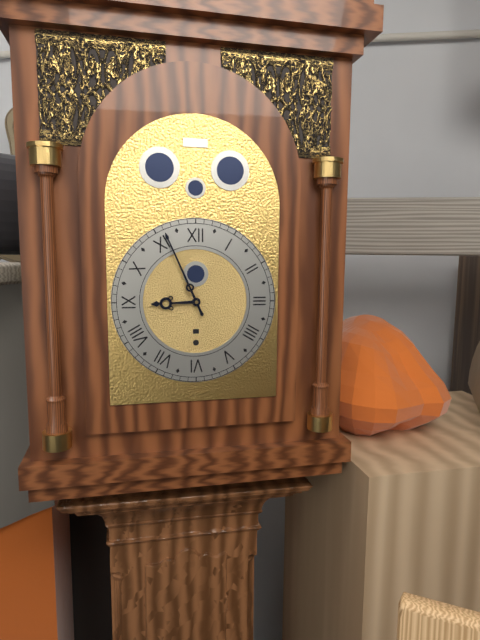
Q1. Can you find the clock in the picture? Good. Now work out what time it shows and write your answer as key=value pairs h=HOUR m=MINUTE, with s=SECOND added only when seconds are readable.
h=8 m=56
